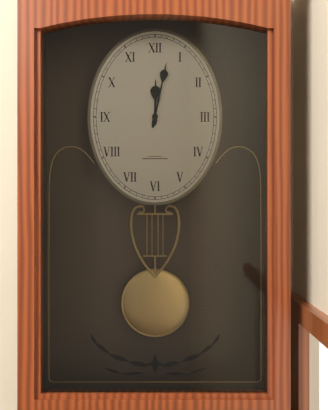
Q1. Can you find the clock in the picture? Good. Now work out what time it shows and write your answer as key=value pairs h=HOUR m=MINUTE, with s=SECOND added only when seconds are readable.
h=12 m=2
